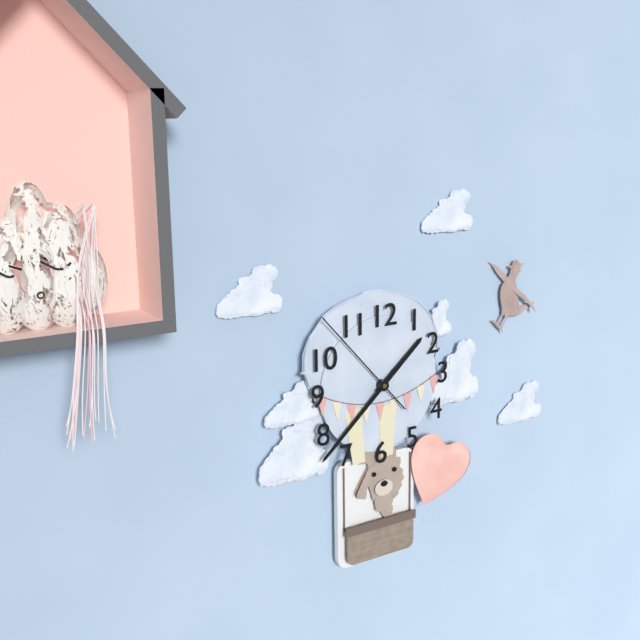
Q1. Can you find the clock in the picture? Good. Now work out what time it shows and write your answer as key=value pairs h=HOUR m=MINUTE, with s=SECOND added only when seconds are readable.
h=1 m=38 s=53
